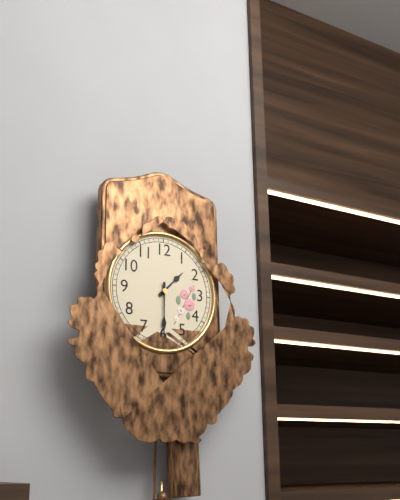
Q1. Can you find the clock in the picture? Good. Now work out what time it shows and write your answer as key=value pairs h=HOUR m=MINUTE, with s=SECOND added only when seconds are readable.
h=1 m=30
